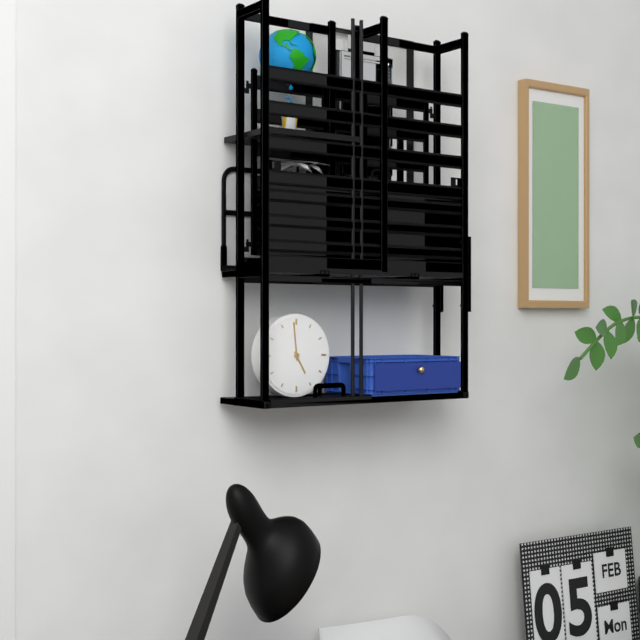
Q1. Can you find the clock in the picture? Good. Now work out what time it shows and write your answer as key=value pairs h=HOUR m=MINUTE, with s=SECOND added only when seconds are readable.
h=4 m=59
